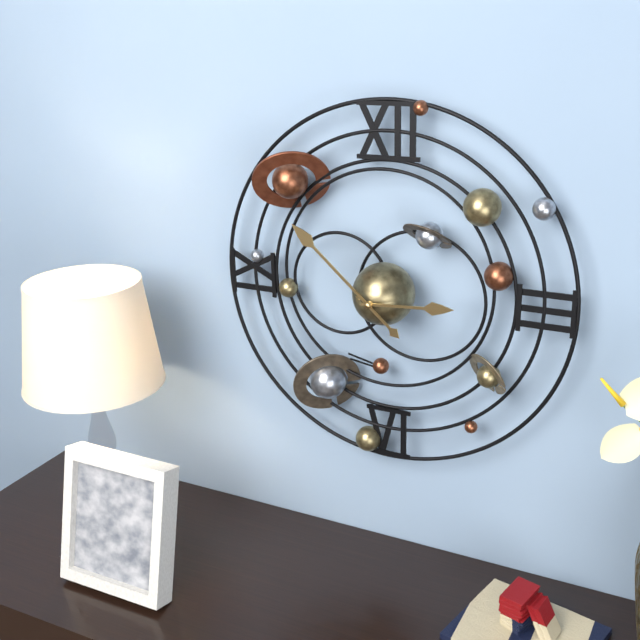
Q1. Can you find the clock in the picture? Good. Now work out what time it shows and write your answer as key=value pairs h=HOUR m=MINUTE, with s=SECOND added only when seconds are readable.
h=2 m=52
